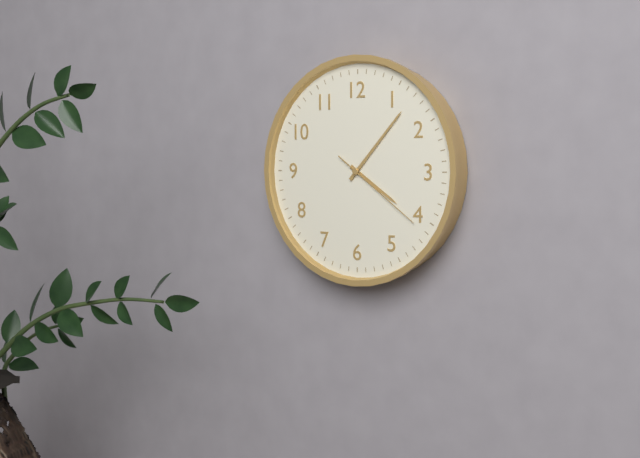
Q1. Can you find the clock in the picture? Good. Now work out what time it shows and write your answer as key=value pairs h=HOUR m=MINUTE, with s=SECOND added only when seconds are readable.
h=4 m=7 s=21
